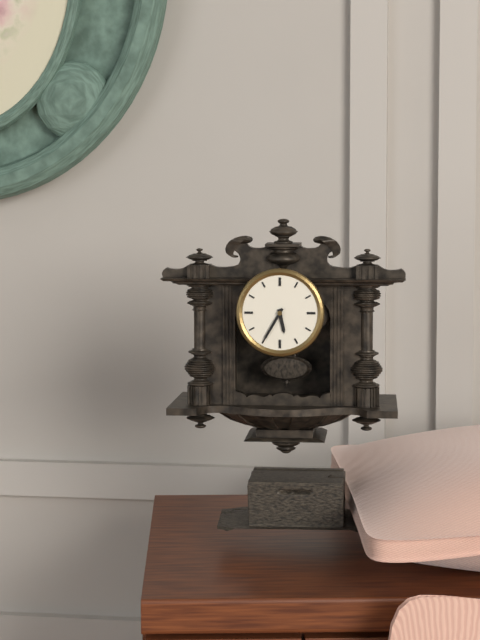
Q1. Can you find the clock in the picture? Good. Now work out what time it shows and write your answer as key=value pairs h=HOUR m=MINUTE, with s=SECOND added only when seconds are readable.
h=5 m=35
